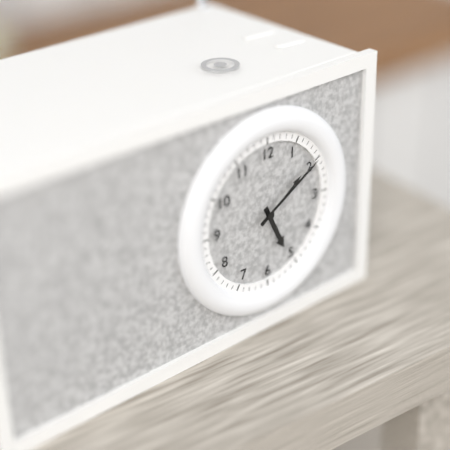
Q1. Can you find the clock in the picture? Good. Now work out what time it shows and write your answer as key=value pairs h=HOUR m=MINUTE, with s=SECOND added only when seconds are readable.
h=5 m=10 s=9
